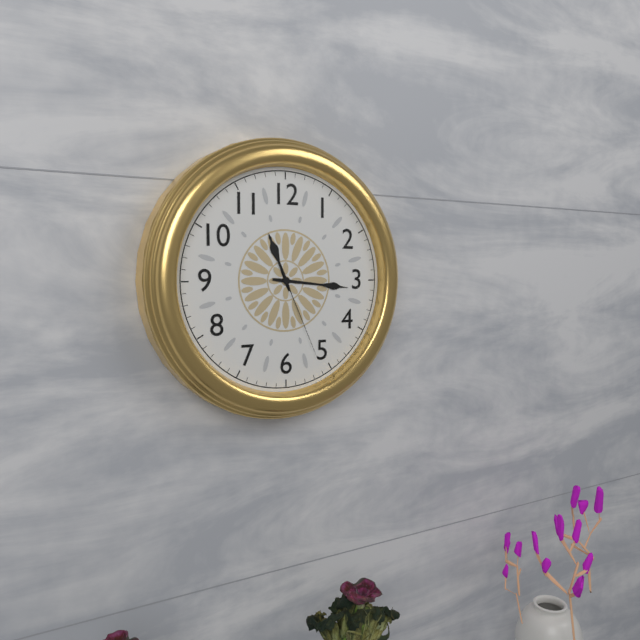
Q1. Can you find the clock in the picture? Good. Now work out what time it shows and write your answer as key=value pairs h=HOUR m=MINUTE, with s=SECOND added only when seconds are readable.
h=11 m=16 s=26
